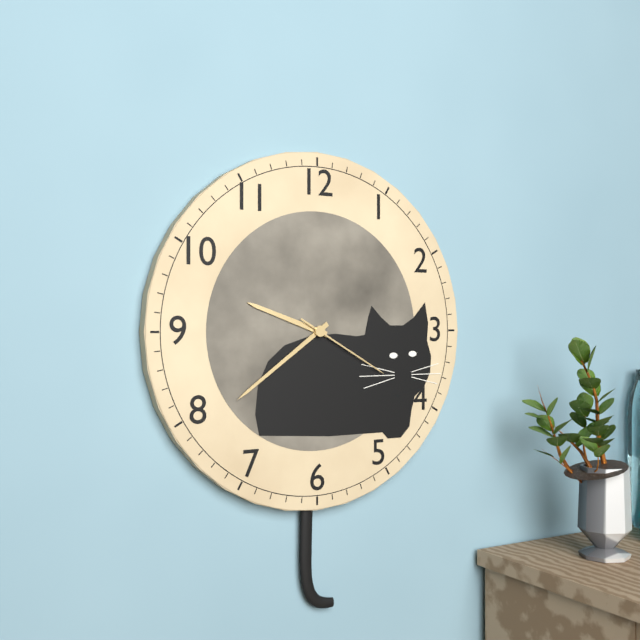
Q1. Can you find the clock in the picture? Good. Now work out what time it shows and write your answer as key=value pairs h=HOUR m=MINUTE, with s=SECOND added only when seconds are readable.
h=9 m=39 s=20
